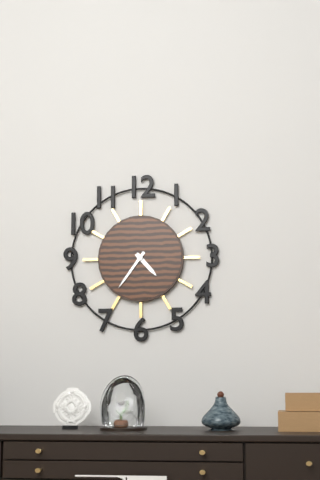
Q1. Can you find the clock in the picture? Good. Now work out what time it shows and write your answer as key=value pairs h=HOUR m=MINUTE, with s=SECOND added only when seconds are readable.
h=4 m=36
